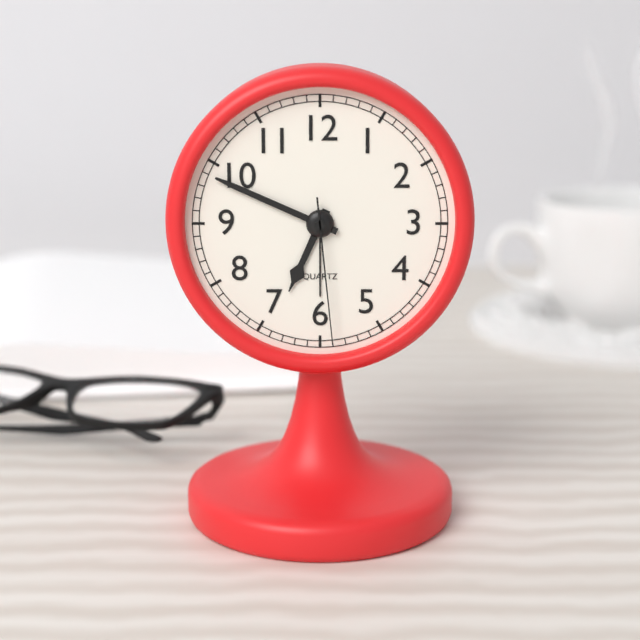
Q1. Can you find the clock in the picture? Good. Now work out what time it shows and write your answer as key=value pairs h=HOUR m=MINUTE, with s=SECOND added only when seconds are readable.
h=6 m=49 s=29
